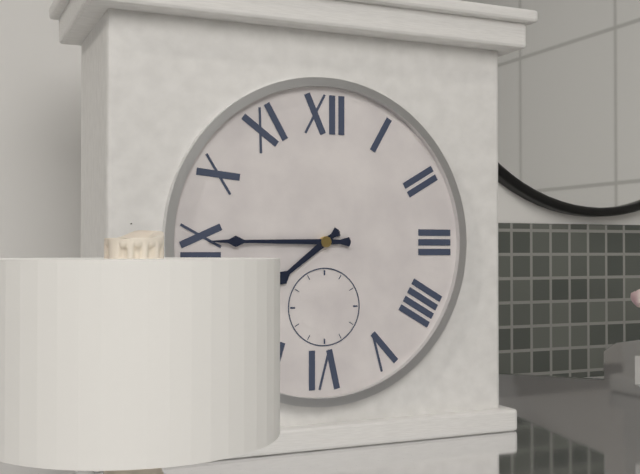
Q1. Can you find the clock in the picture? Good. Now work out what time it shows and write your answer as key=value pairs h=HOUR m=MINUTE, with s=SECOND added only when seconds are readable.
h=7 m=45
